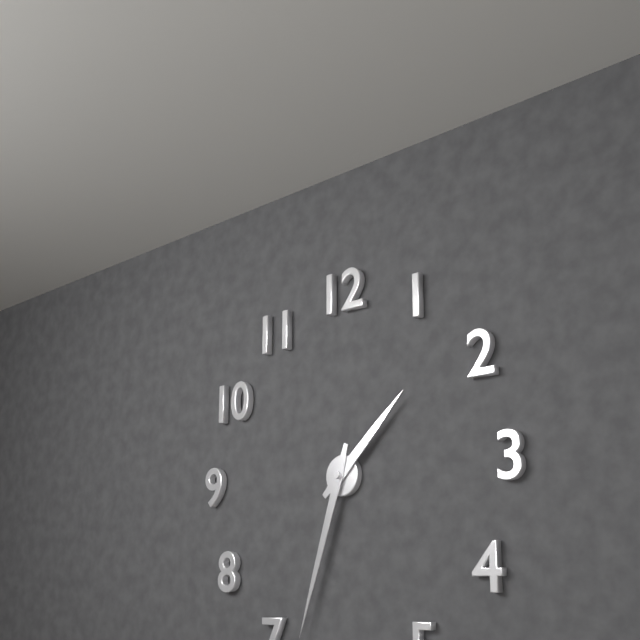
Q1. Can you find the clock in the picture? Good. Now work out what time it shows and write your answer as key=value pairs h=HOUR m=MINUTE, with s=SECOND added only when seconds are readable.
h=1 m=33
